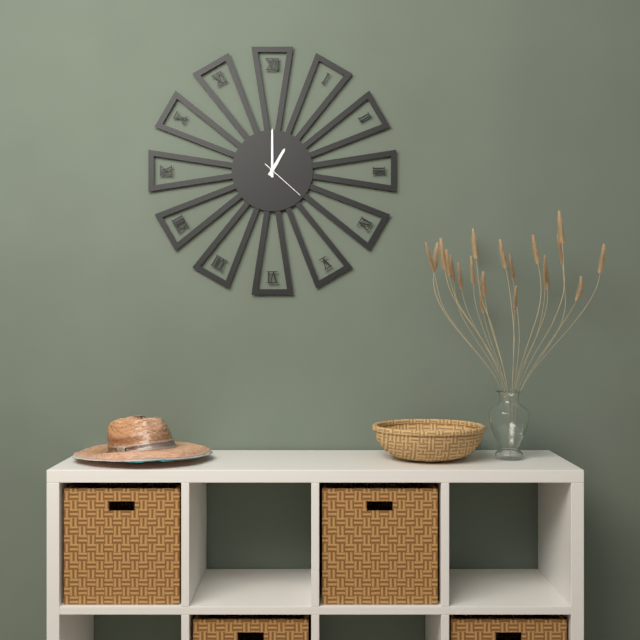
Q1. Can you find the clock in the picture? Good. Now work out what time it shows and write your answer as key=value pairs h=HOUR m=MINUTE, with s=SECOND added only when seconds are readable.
h=1 m=0
